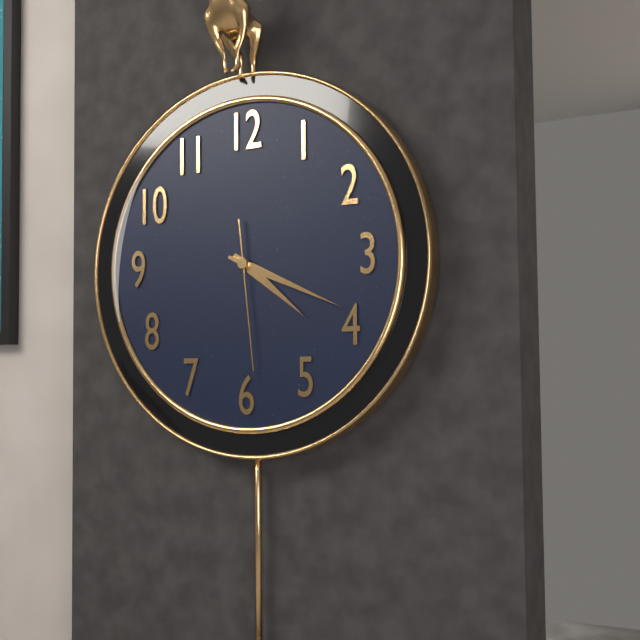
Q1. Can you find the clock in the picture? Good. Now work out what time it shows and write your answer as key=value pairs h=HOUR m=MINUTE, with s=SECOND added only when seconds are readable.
h=4 m=19 s=29
